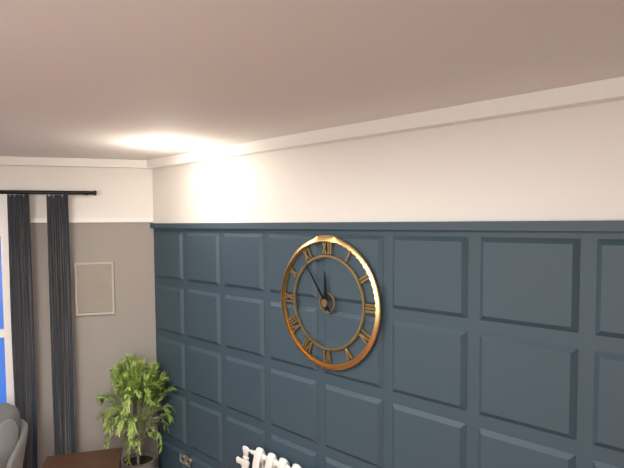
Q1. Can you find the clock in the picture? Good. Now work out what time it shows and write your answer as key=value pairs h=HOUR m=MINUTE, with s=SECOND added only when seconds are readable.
h=11 m=54
